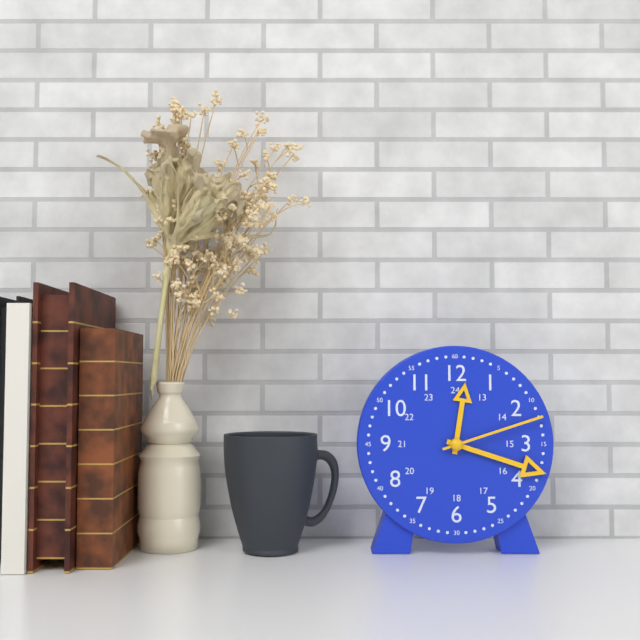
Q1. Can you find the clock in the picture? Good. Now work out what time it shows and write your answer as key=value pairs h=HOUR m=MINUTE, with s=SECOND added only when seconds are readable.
h=12 m=18 s=12
